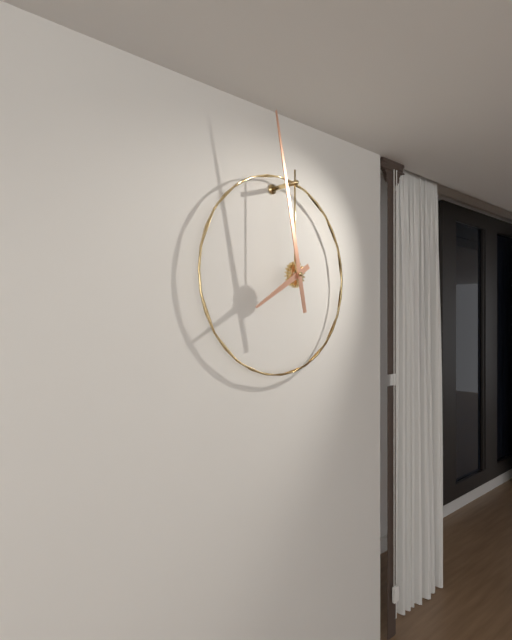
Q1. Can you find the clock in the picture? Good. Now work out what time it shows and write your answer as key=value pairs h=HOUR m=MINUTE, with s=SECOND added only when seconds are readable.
h=7 m=58
